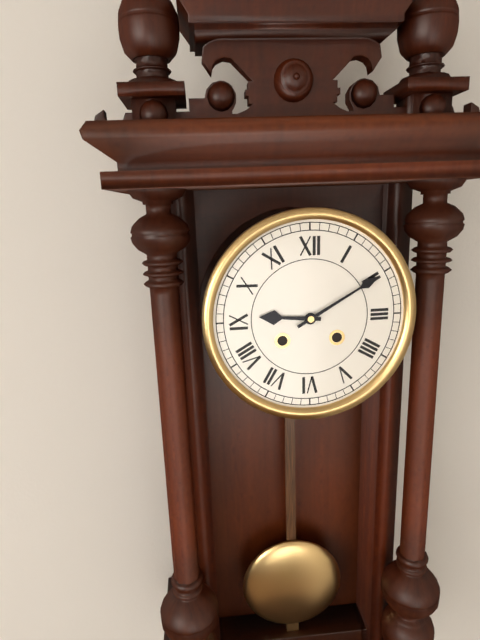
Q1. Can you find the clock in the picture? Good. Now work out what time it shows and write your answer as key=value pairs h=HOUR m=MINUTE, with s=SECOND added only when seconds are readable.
h=9 m=10
